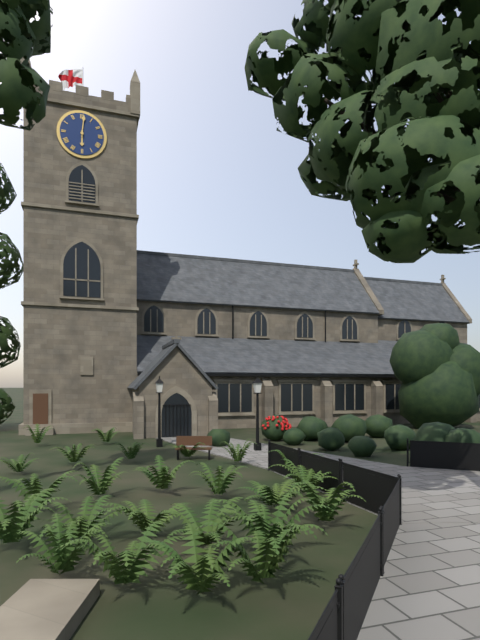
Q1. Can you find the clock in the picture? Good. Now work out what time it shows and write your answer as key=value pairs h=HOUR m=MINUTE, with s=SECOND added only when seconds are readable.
h=6 m=1
